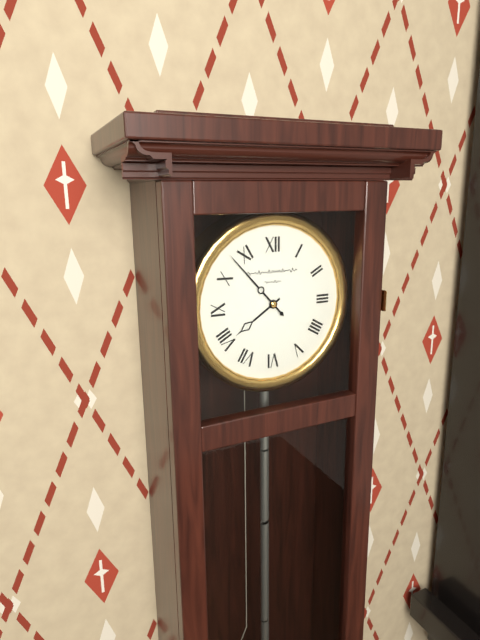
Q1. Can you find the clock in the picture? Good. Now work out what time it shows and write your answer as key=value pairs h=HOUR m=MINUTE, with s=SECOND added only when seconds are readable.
h=7 m=53
